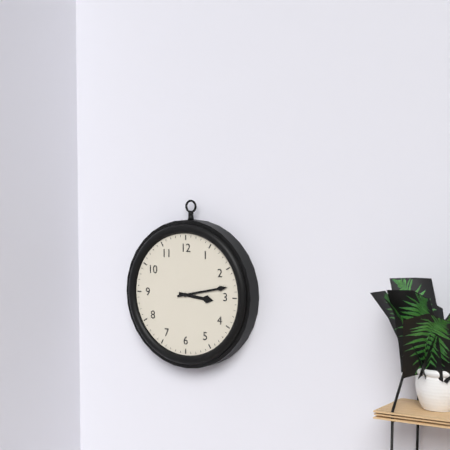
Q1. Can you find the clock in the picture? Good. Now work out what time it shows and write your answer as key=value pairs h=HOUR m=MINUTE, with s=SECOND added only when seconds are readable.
h=3 m=13
